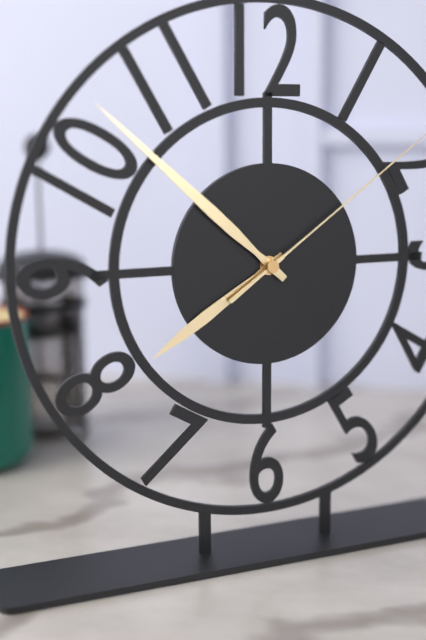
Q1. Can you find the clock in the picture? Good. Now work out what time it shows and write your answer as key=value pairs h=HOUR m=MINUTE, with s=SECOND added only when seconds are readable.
h=7 m=52
